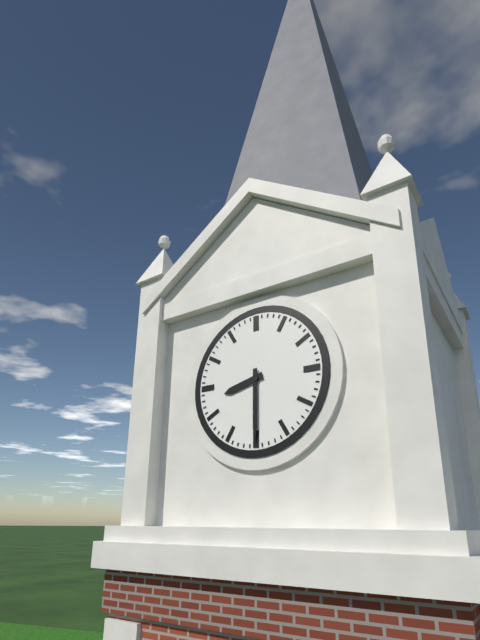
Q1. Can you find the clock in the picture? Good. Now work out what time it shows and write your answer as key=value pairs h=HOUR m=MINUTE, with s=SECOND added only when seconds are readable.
h=8 m=30
